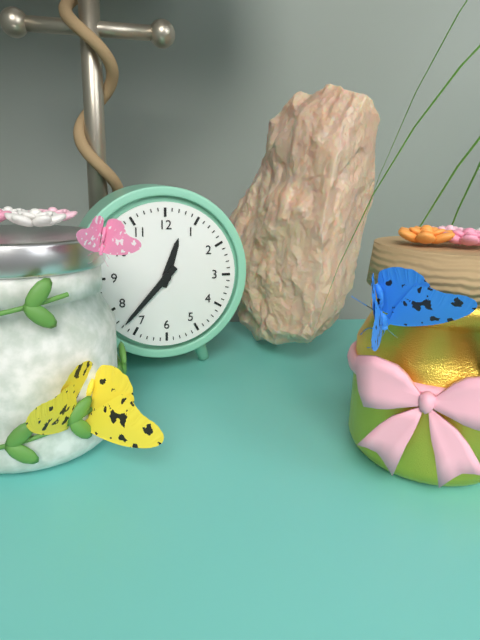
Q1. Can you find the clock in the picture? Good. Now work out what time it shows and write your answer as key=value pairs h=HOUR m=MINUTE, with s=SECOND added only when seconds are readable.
h=12 m=37
